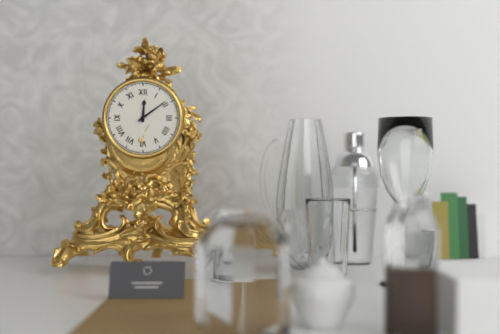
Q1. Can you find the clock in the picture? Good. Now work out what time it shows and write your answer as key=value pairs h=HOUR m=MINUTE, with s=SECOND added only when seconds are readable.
h=12 m=9
